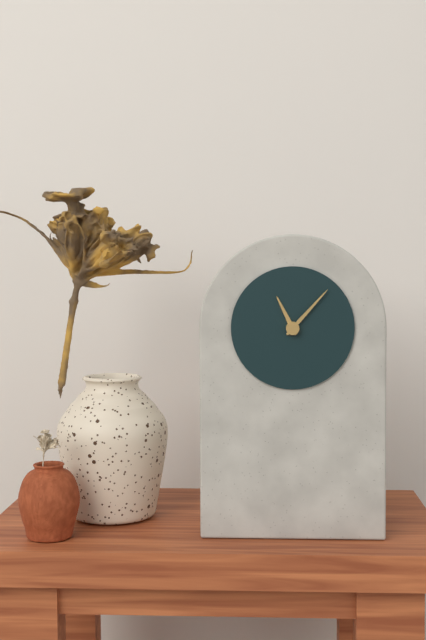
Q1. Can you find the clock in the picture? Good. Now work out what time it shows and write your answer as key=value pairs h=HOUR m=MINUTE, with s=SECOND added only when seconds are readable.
h=11 m=7
